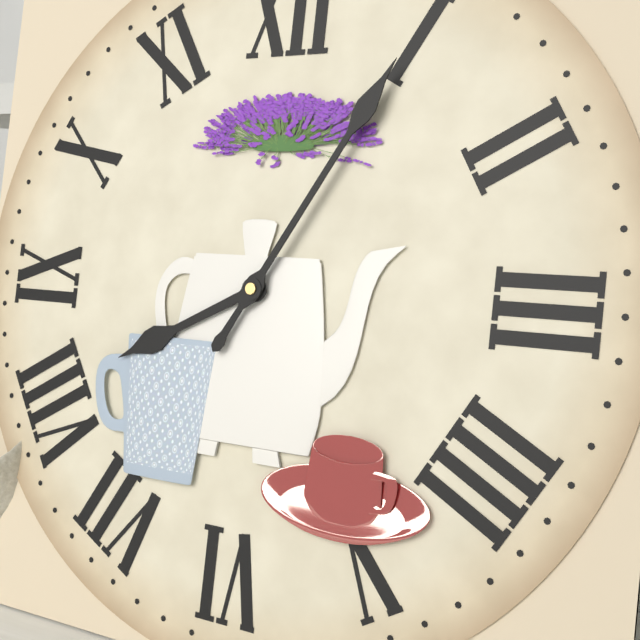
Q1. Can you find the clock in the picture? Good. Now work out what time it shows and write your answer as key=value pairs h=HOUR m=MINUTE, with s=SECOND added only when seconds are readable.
h=8 m=5
